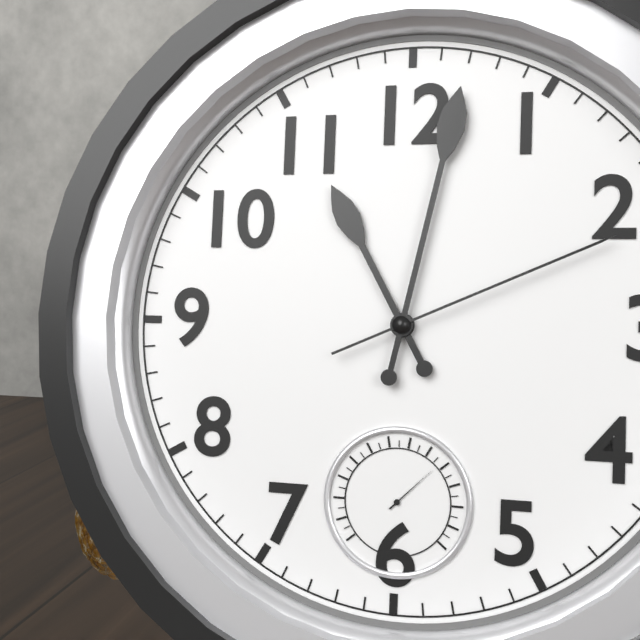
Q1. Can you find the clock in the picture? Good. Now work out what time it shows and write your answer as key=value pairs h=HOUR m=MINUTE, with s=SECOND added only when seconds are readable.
h=11 m=2 s=11
